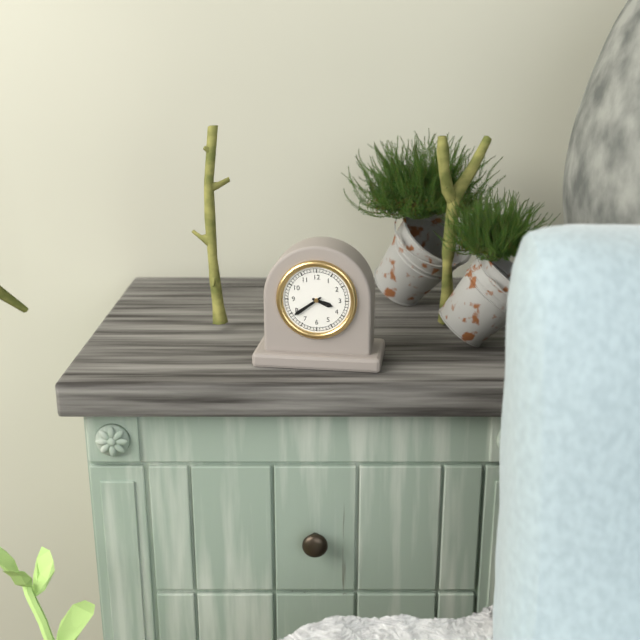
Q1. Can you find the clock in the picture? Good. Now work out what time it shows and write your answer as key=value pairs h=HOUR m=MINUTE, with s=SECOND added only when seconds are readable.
h=3 m=39
